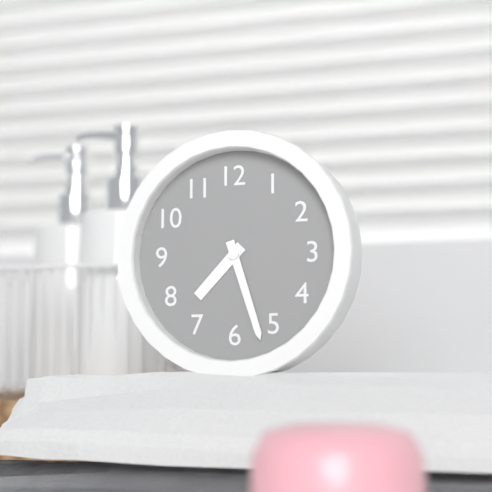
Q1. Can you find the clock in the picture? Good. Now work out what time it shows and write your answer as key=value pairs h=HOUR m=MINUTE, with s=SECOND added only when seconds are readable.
h=7 m=27
